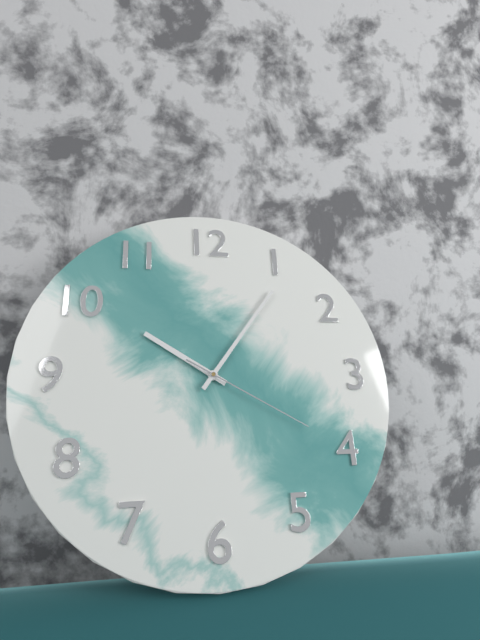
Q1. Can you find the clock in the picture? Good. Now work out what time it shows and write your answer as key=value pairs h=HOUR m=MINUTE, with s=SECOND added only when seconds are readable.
h=10 m=6 s=20
